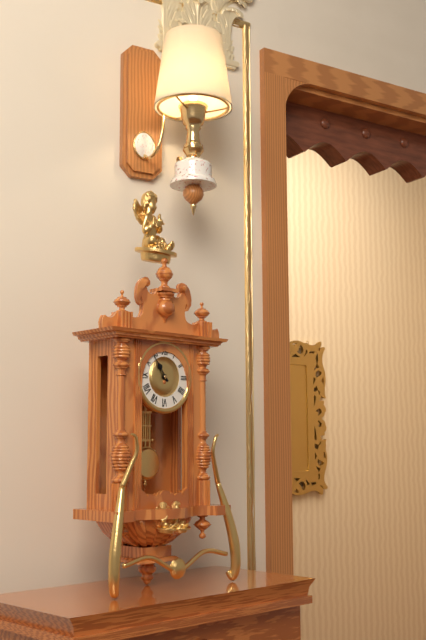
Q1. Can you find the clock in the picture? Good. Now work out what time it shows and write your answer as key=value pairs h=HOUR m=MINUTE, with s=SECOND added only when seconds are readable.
h=10 m=54
